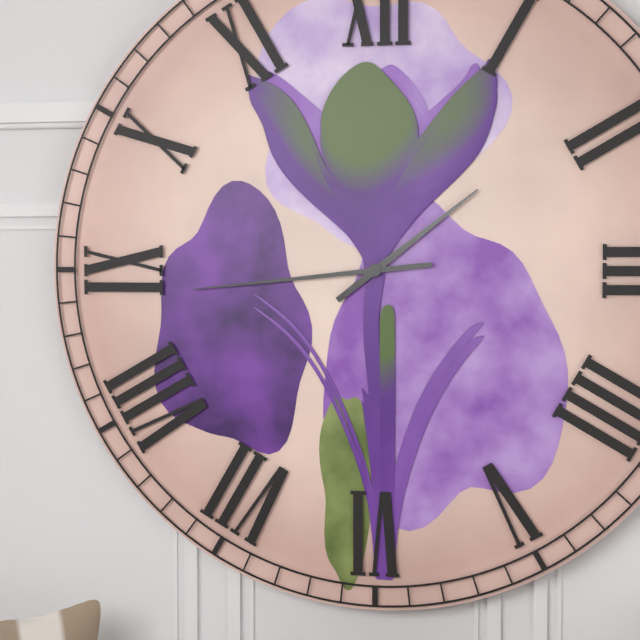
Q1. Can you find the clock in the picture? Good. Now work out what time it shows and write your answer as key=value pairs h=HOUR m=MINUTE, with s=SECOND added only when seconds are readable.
h=1 m=44
